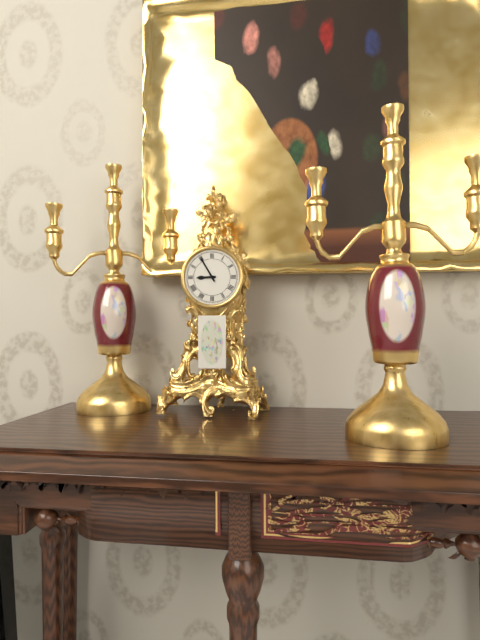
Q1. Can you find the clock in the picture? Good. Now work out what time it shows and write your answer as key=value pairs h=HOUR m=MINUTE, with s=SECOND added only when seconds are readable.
h=8 m=55
